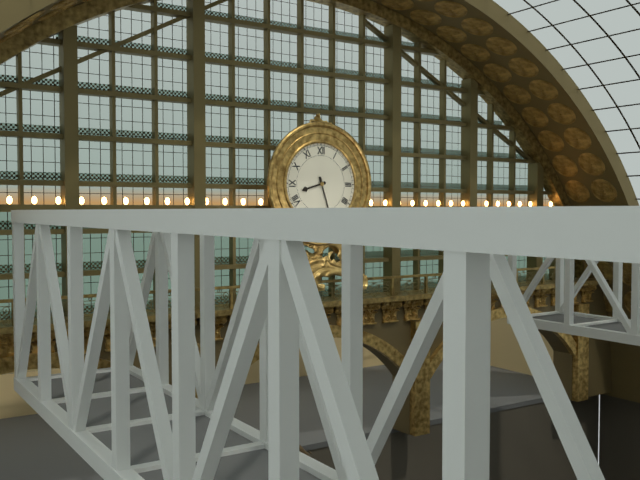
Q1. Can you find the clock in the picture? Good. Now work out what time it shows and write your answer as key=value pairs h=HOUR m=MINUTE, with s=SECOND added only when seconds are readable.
h=8 m=27
